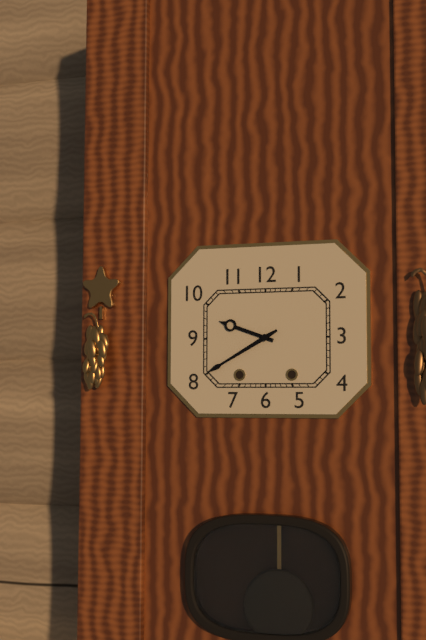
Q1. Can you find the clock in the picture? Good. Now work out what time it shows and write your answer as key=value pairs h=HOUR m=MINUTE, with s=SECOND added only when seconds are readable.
h=9 m=40
